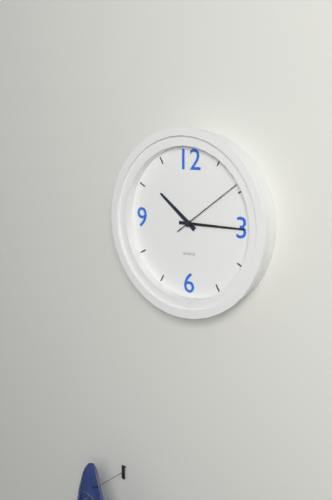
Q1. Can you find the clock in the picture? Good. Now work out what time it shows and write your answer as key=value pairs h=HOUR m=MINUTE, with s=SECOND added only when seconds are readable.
h=10 m=15 s=9
